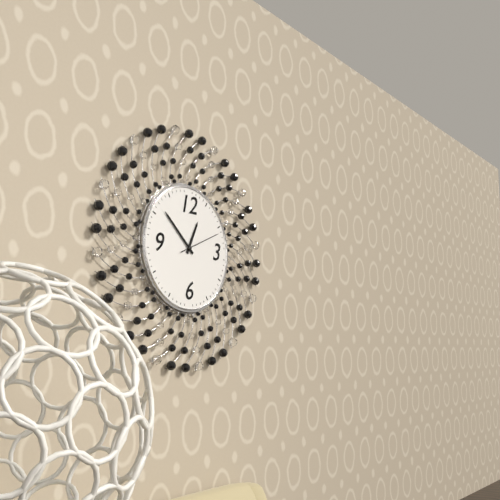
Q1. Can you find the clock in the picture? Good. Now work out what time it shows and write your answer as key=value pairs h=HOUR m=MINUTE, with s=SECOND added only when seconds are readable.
h=12 m=52
